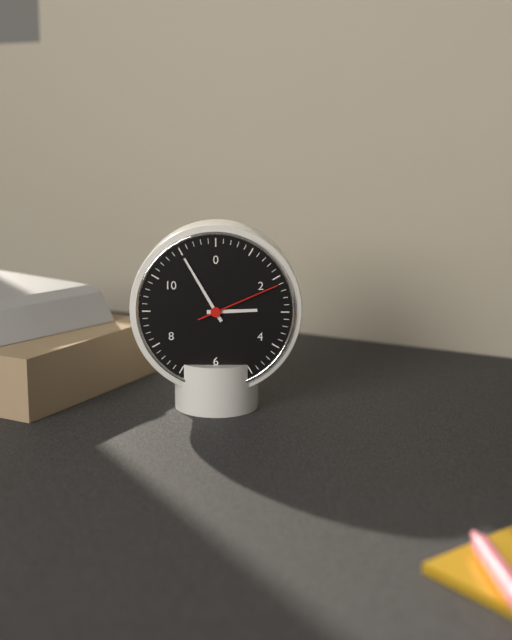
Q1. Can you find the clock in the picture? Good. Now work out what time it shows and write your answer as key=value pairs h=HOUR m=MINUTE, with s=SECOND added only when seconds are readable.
h=2 m=55 s=11
